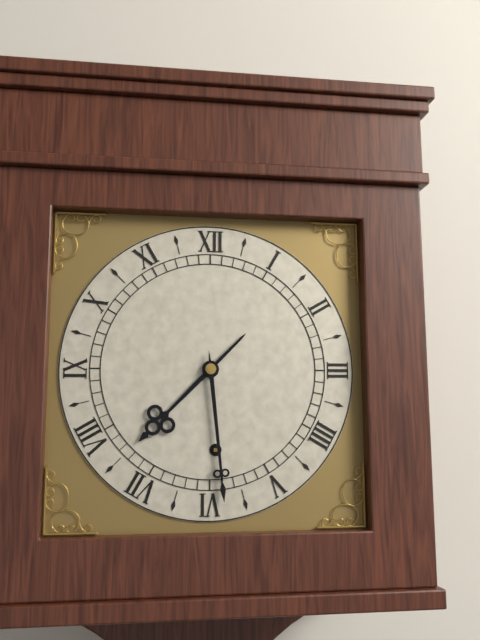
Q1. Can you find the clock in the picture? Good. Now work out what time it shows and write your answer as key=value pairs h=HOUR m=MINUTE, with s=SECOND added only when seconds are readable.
h=7 m=29
